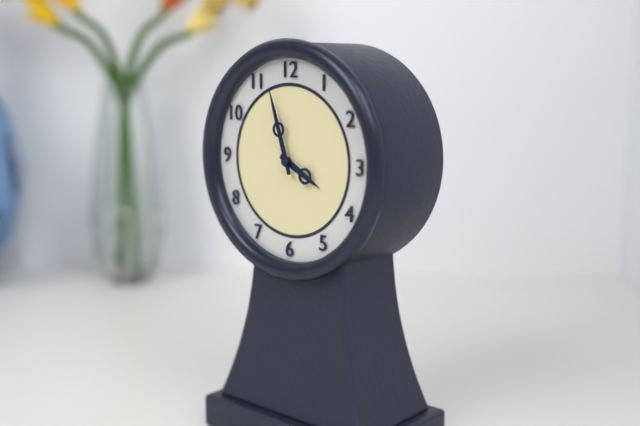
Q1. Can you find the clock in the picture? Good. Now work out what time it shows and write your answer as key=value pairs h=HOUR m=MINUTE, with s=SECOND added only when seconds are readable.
h=3 m=57
